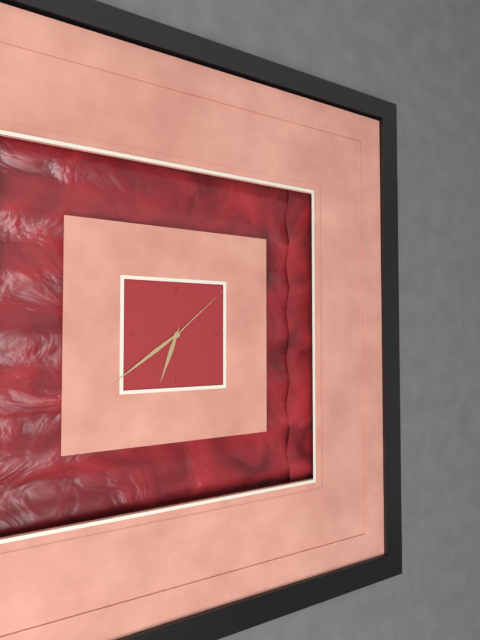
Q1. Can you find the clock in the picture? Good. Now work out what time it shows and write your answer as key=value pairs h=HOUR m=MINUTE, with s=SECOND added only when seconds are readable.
h=6 m=39 s=8
